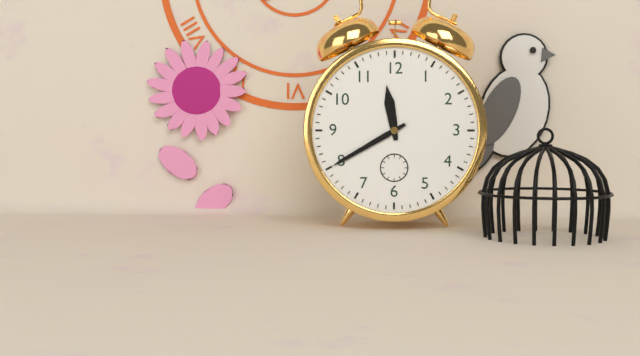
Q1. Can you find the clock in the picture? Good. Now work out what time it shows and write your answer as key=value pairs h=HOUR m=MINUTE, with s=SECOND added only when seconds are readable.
h=11 m=40
